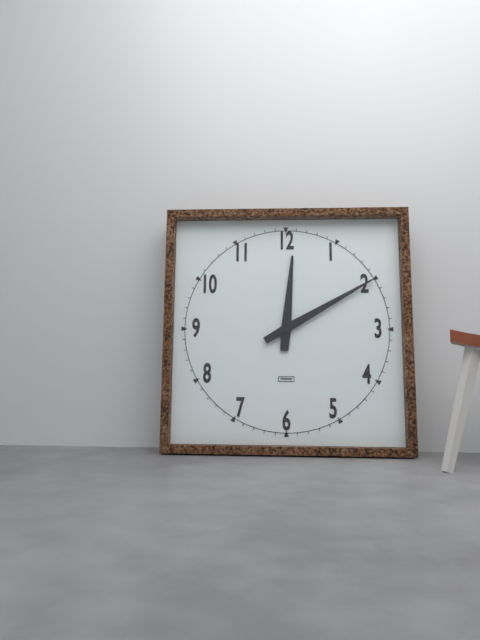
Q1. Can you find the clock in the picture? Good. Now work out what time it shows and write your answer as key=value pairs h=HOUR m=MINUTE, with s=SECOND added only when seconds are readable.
h=12 m=10
